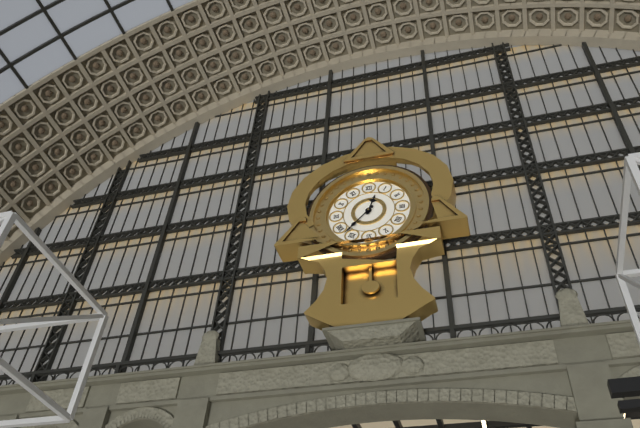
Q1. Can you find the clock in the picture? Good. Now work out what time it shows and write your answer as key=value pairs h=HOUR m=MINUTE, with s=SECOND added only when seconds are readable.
h=12 m=37
